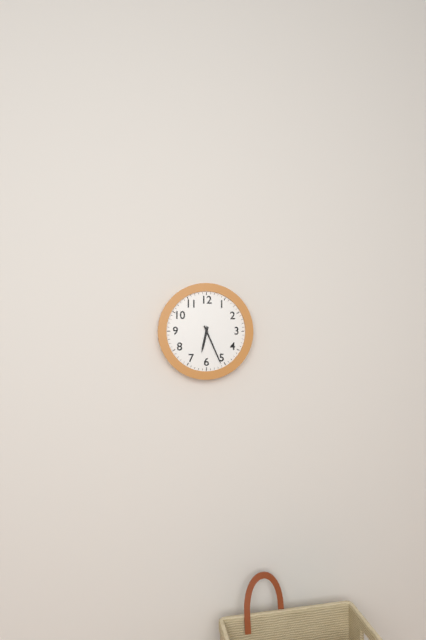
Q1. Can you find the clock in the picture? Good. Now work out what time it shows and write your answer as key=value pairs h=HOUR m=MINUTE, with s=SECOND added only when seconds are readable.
h=6 m=26
